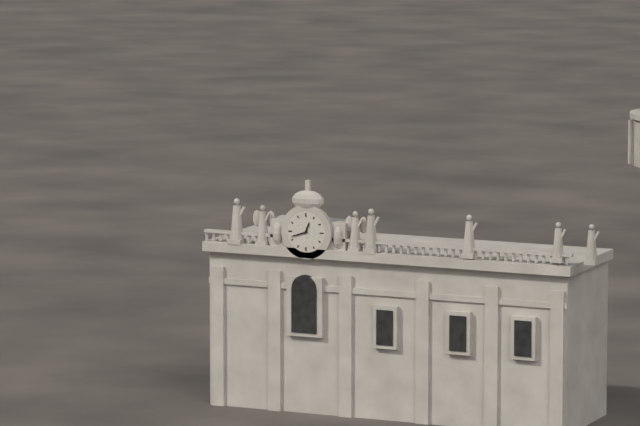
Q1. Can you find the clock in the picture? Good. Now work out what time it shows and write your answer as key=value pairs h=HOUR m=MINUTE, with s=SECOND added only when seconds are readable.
h=12 m=42
